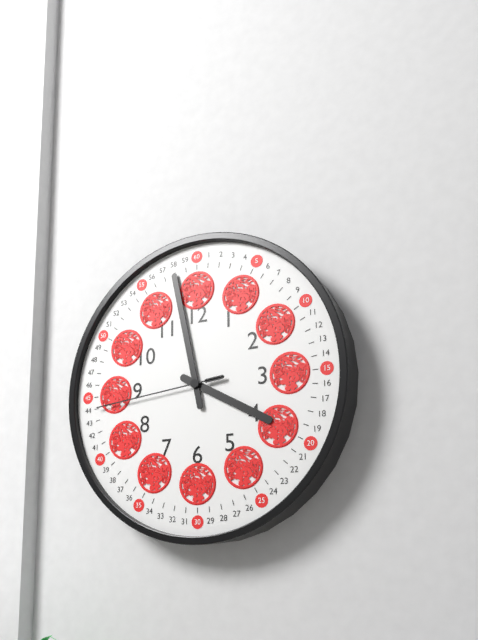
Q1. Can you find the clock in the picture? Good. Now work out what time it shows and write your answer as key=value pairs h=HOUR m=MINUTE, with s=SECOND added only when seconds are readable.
h=3 m=58 s=44
